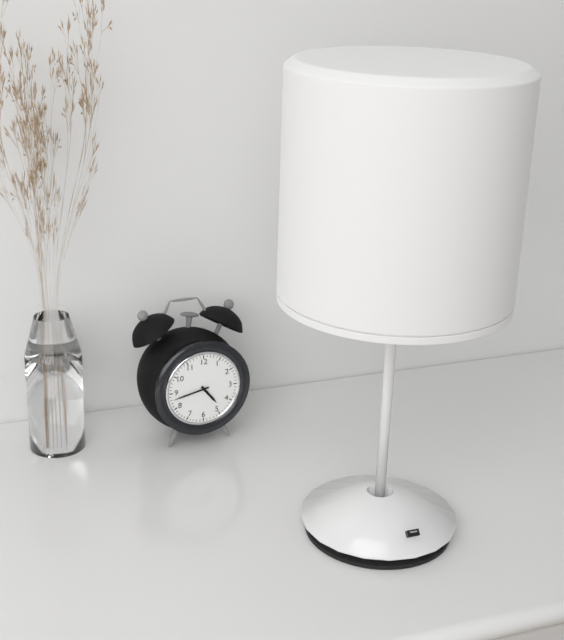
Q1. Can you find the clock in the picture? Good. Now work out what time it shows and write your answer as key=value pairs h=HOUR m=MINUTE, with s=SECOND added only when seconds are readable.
h=4 m=43
